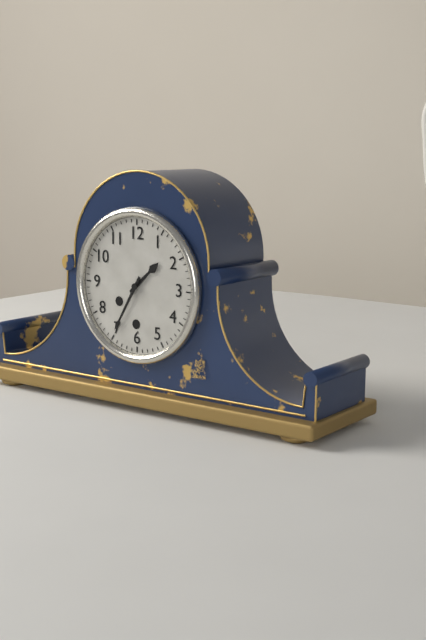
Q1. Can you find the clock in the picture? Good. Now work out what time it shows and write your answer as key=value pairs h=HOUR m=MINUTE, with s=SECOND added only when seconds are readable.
h=1 m=35
